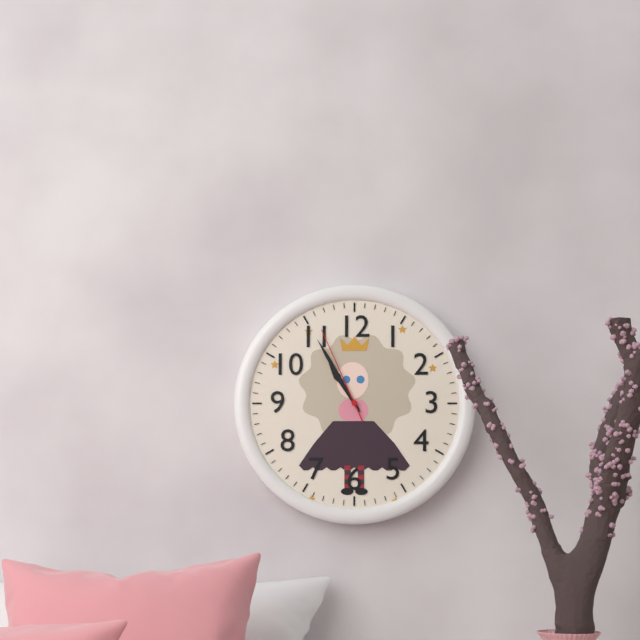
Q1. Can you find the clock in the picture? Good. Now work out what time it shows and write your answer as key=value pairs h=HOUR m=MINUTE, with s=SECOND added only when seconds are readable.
h=10 m=55 s=56
